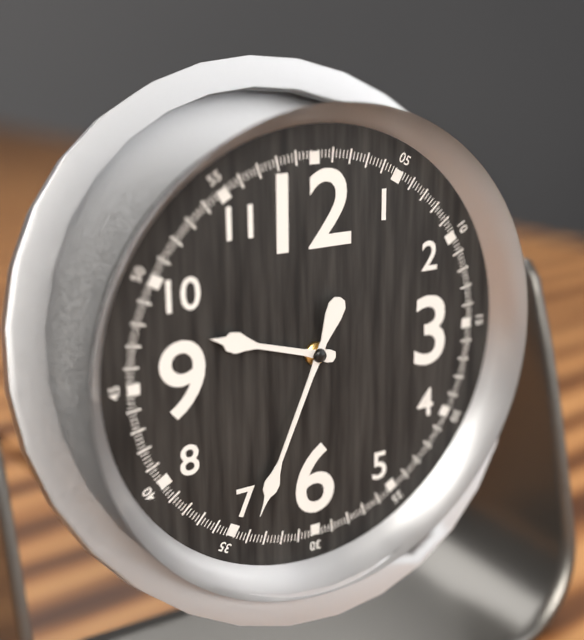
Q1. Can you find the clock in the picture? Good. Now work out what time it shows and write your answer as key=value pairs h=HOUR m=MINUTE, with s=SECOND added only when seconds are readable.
h=9 m=34
